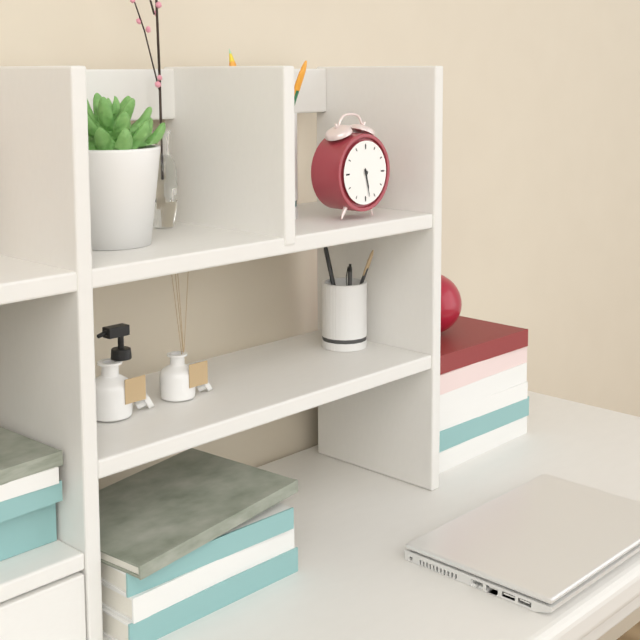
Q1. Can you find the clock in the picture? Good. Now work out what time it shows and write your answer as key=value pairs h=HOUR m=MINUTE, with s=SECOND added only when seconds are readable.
h=5 m=28
